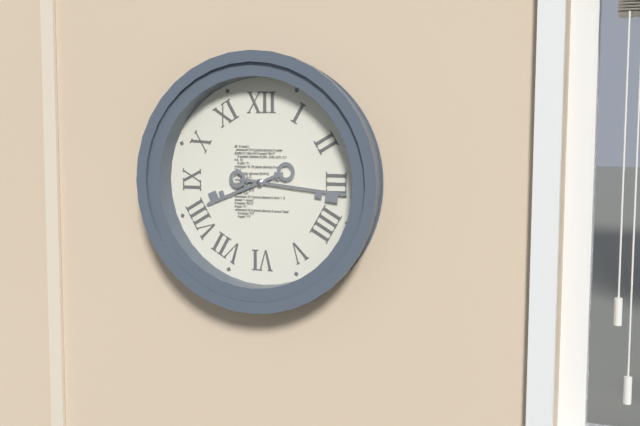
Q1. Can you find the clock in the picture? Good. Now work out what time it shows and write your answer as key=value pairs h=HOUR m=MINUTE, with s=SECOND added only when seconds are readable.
h=8 m=16
